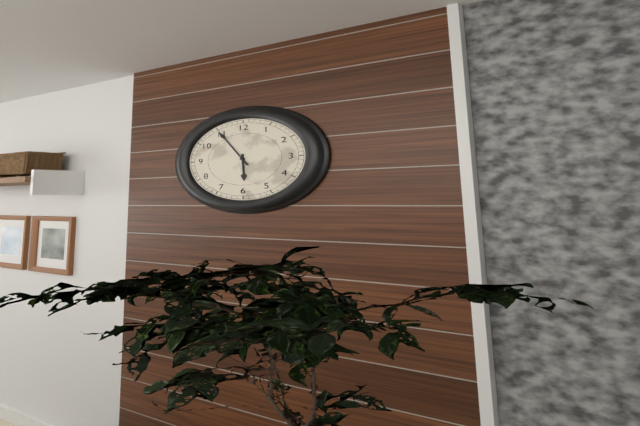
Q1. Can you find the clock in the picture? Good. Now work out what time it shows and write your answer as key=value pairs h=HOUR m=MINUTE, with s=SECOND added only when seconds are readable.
h=5 m=55
